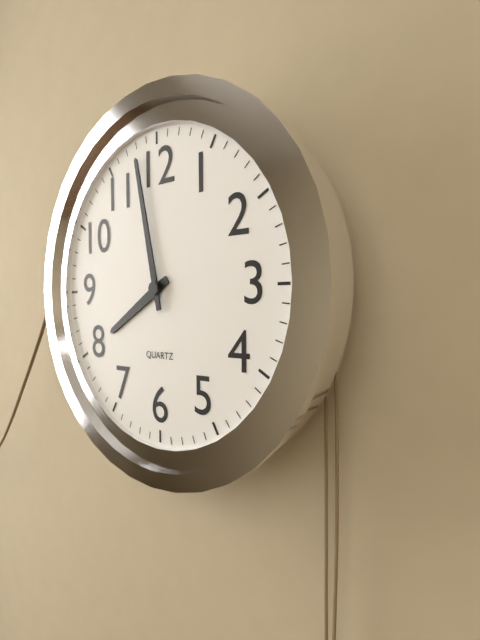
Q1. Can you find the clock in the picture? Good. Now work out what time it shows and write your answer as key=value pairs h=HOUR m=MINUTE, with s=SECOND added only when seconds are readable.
h=7 m=58
